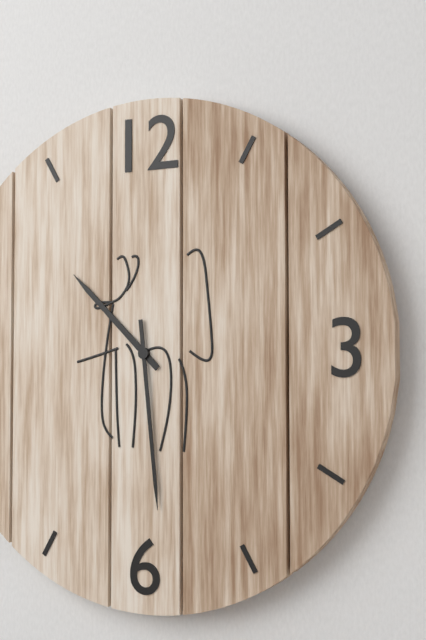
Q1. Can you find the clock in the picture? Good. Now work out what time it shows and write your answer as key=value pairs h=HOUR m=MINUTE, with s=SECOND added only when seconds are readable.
h=10 m=29
